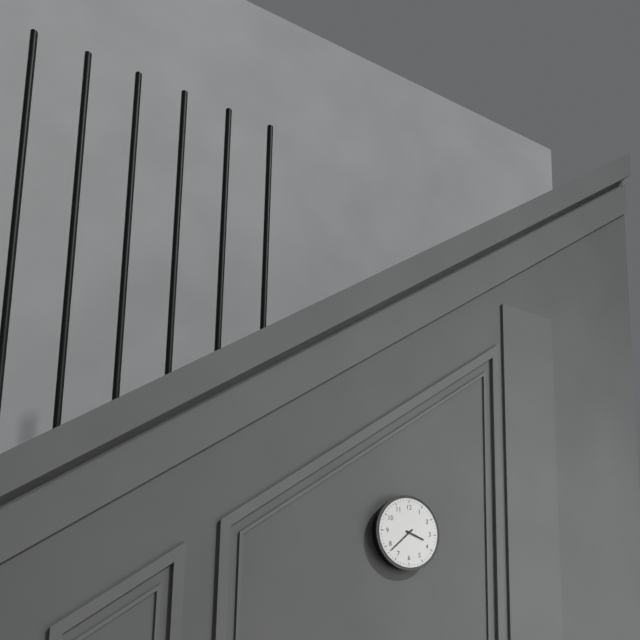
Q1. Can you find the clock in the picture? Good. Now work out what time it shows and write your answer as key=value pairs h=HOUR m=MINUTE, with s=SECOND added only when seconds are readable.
h=3 m=38
